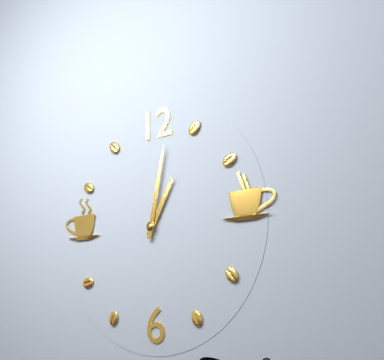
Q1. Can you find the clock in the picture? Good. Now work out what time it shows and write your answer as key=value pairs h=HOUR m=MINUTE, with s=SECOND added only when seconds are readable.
h=1 m=2
